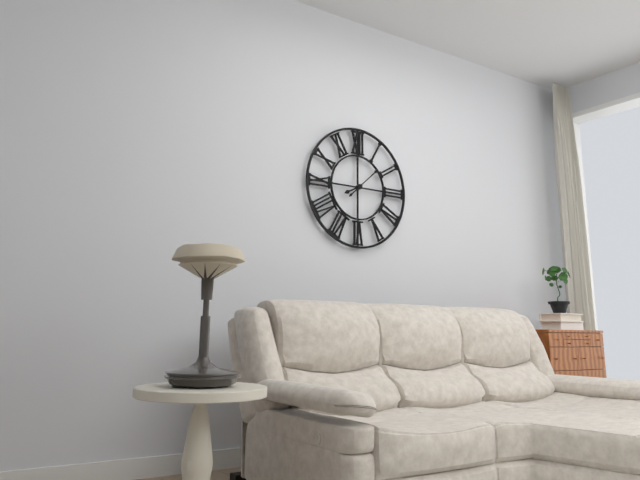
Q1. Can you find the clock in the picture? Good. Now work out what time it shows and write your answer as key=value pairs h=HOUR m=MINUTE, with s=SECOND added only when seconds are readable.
h=8 m=8
